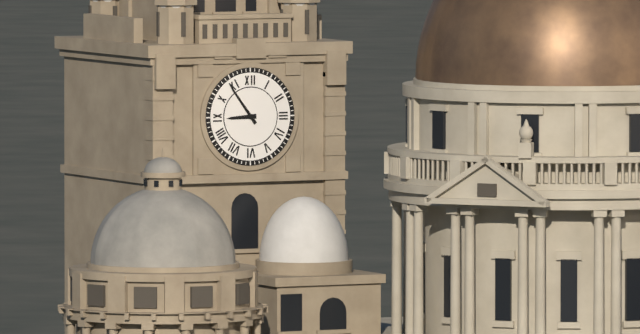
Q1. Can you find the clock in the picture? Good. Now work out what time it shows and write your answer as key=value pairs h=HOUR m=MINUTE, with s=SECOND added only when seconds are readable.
h=8 m=54
